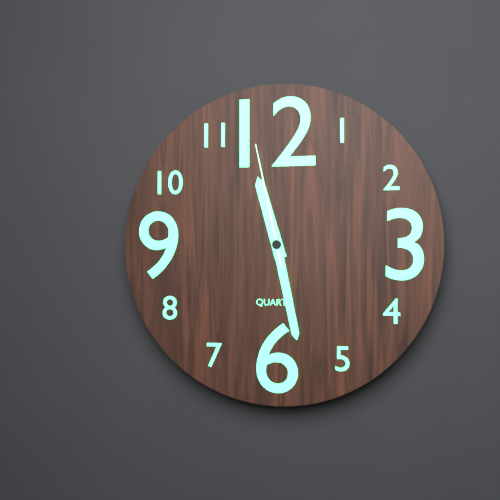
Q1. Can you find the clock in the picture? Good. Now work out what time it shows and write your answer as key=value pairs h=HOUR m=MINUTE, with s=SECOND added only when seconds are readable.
h=11 m=28 s=58
